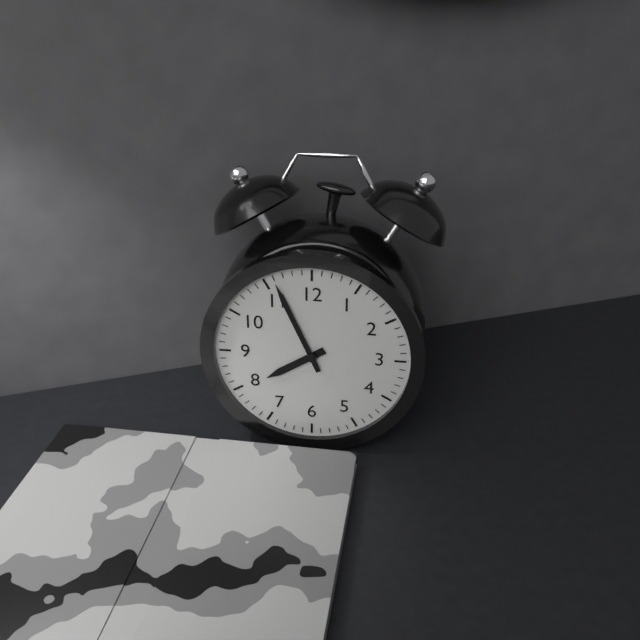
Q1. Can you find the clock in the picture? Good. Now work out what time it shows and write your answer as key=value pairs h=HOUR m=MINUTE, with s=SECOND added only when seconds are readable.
h=7 m=56
